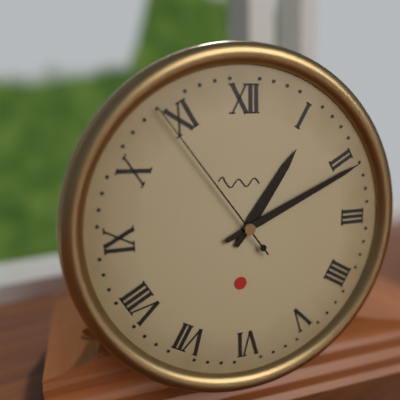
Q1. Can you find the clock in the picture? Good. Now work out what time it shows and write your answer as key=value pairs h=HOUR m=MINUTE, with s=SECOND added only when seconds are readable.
h=1 m=11 s=54
